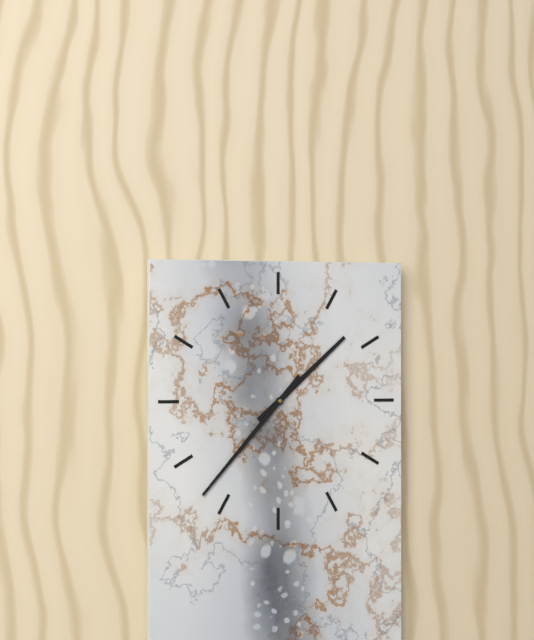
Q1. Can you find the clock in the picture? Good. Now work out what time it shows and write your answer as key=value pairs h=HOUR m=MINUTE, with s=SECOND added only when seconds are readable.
h=1 m=37
